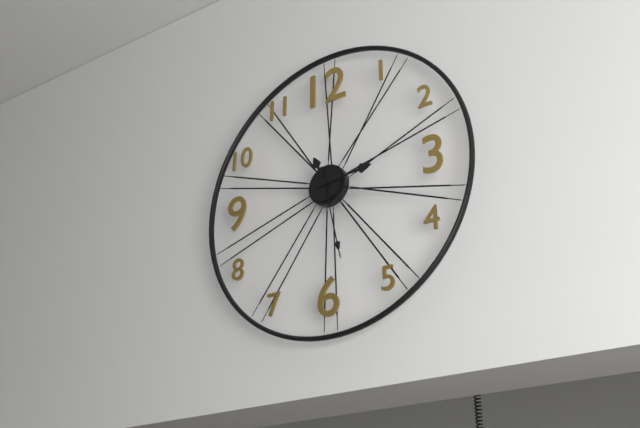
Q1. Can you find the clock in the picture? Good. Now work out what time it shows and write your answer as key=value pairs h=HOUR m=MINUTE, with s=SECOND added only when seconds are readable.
h=11 m=14 s=28
